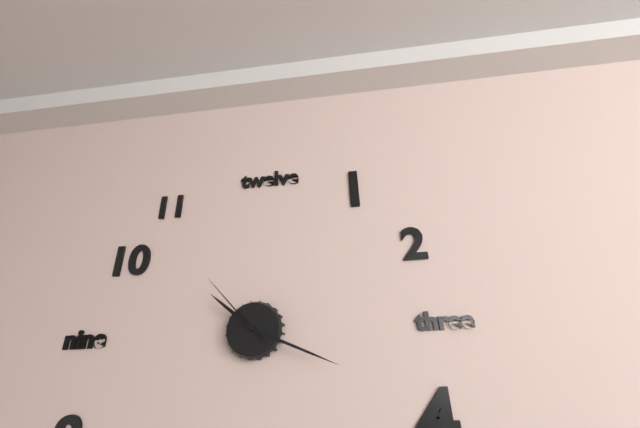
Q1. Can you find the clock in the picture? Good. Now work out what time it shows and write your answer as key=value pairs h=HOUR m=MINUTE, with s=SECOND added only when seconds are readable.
h=10 m=19 s=53
